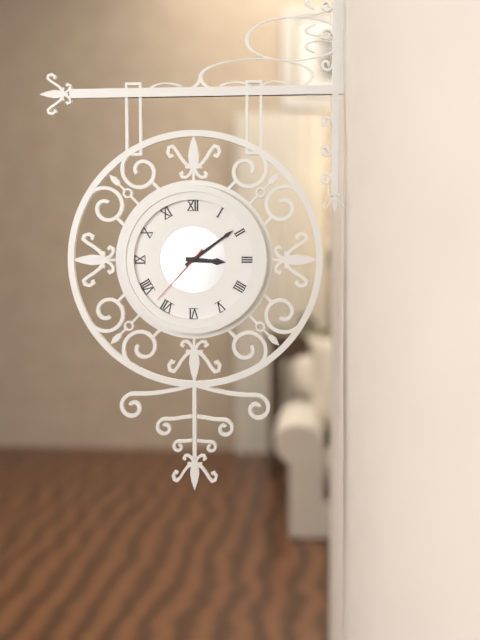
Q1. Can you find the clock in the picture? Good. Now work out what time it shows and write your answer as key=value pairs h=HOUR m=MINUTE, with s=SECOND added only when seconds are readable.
h=3 m=9 s=37
